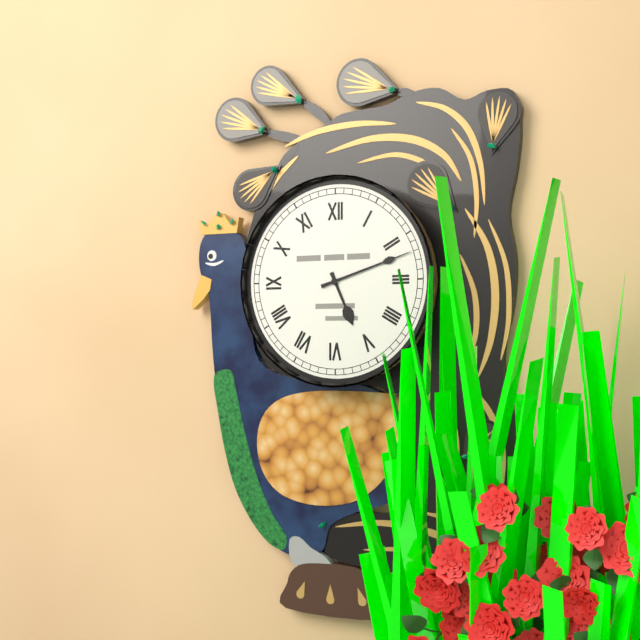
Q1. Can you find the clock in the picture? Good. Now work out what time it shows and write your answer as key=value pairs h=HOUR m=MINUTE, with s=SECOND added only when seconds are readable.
h=5 m=12
